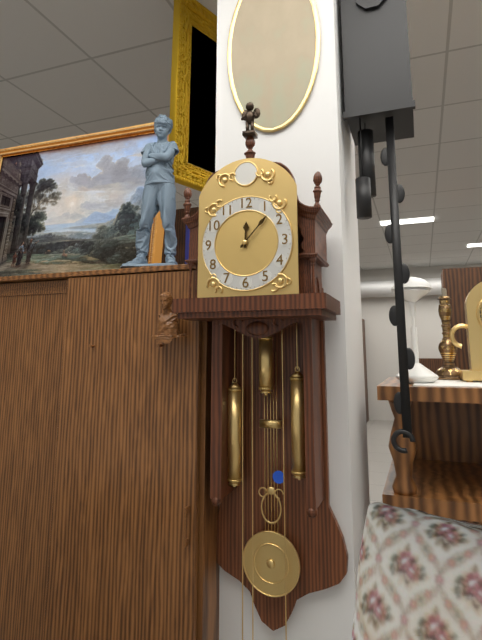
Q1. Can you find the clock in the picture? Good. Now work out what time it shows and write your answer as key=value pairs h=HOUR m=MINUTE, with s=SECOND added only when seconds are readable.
h=12 m=7
